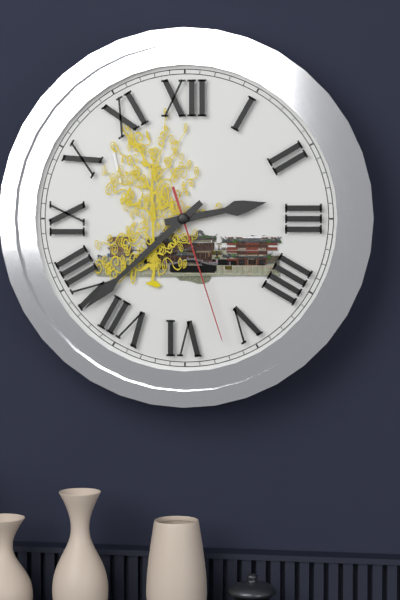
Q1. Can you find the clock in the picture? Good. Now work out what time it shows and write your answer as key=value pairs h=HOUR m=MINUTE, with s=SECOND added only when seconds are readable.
h=2 m=38 s=27
